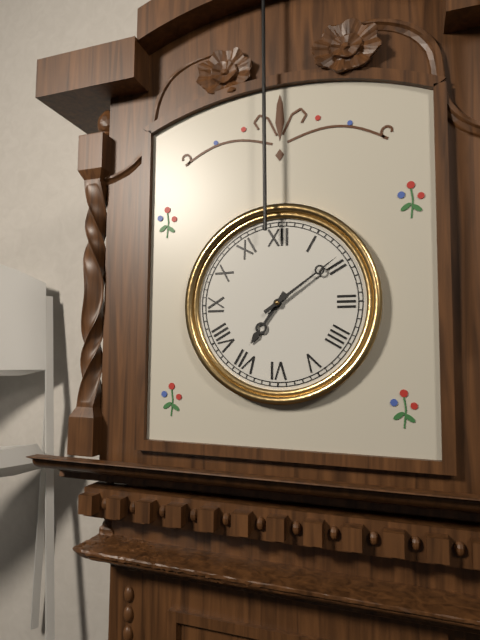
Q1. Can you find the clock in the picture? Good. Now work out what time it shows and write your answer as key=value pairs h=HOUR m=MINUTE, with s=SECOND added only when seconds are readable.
h=7 m=9
